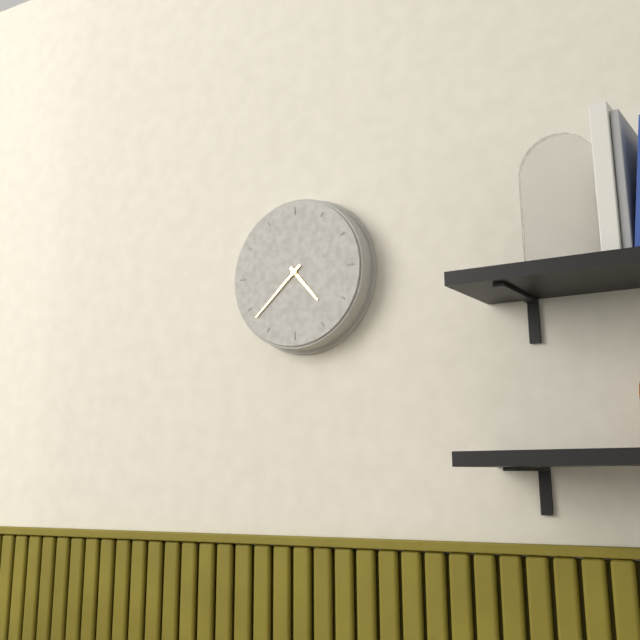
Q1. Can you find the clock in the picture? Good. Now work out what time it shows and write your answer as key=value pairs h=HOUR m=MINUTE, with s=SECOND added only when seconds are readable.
h=4 m=38
